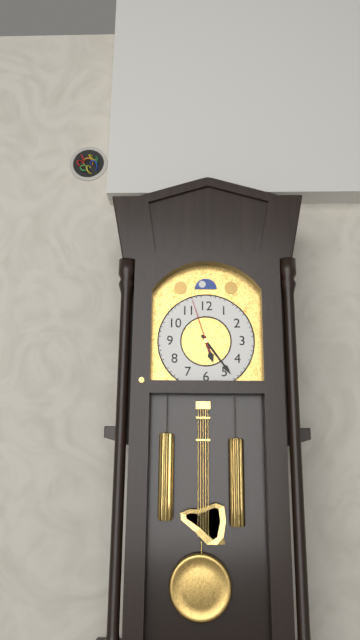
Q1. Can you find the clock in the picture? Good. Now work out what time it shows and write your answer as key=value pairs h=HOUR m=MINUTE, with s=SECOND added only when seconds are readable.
h=5 m=24 s=57
